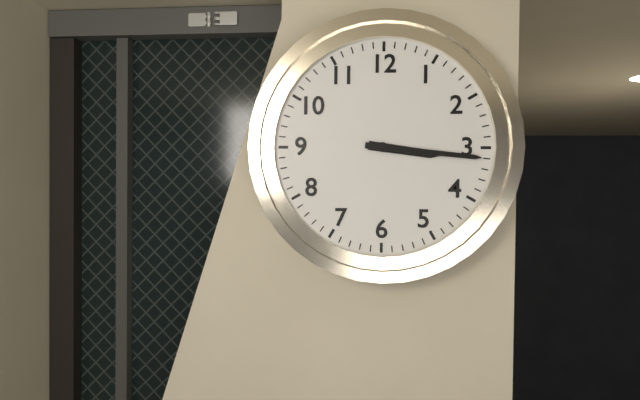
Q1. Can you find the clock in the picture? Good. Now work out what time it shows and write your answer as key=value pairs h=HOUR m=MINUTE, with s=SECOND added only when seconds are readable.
h=3 m=16
